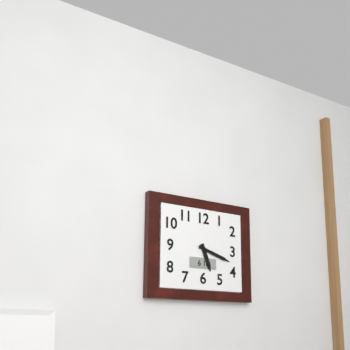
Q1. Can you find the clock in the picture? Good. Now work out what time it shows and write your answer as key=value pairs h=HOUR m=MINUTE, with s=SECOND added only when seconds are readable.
h=5 m=18
